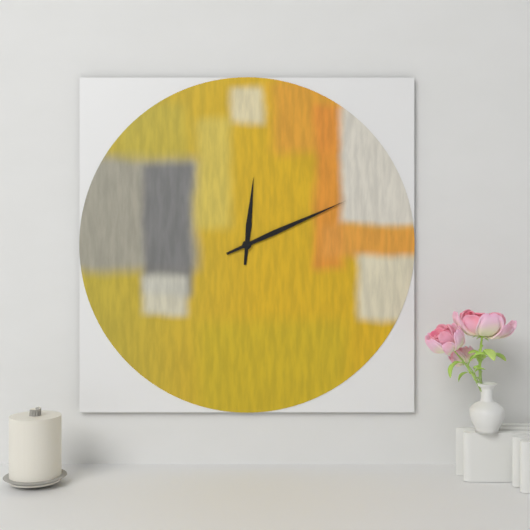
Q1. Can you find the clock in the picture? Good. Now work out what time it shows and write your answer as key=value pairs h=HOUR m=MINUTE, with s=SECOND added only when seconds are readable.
h=12 m=11
